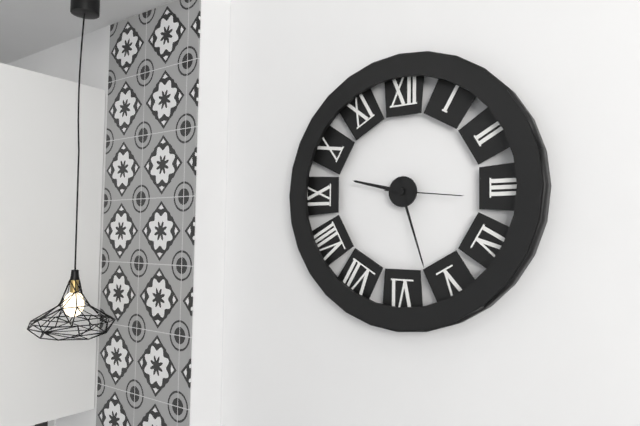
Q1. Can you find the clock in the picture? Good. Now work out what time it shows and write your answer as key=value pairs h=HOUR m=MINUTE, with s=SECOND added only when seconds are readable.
h=9 m=27 s=16
